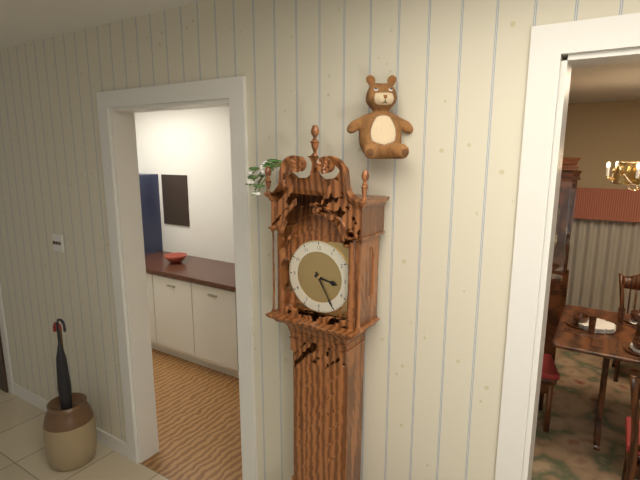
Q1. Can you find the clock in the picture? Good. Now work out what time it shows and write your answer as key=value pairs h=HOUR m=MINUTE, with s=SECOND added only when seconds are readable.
h=3 m=25
